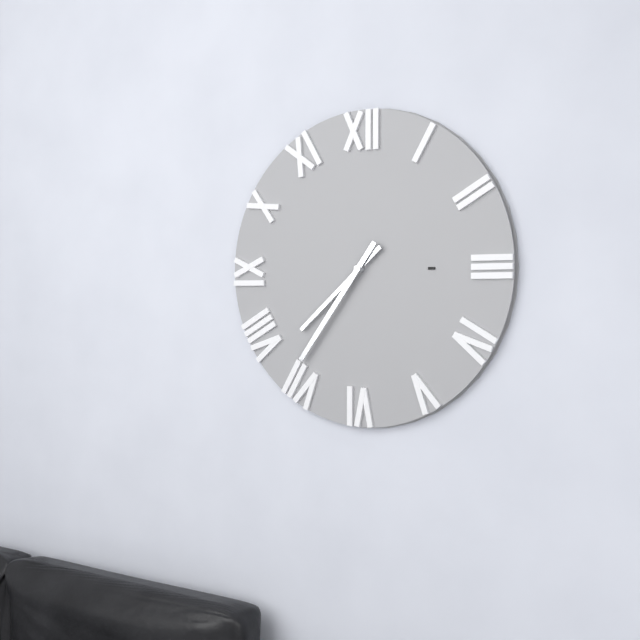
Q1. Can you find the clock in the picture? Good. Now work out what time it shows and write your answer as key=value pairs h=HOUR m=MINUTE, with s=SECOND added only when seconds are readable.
h=7 m=36
